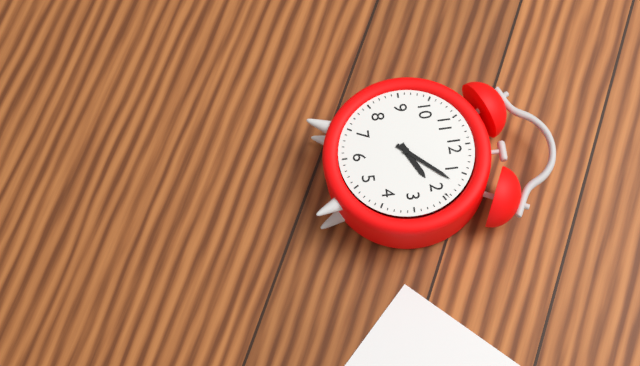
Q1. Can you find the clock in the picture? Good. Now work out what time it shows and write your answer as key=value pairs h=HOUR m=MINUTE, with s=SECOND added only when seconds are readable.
h=2 m=7
